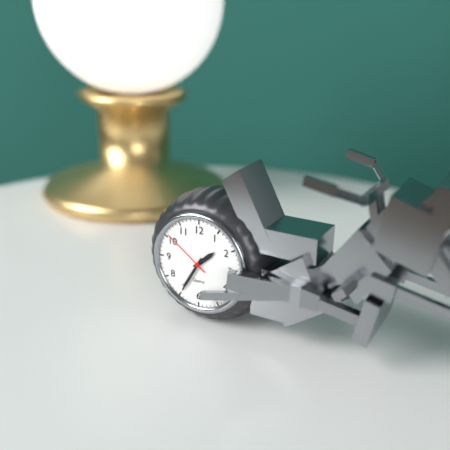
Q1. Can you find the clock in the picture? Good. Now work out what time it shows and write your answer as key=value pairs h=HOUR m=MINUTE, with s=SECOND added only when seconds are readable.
h=1 m=35 s=51
